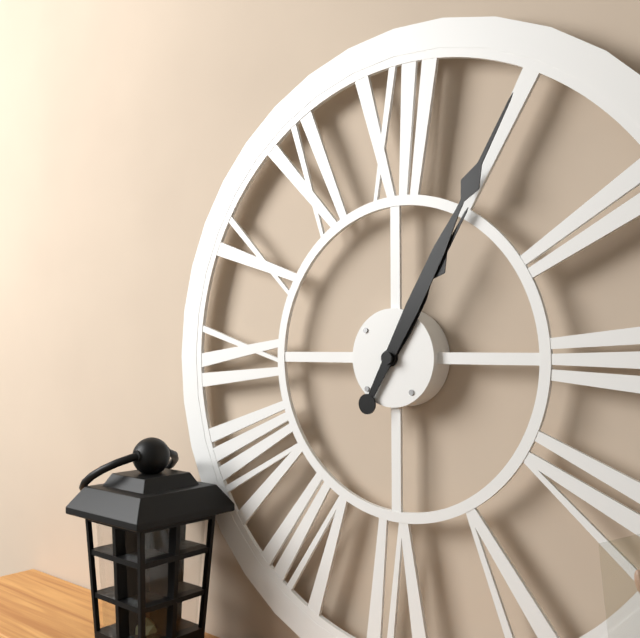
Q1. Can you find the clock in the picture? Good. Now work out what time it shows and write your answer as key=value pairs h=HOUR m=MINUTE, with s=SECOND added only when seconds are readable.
h=1 m=5
